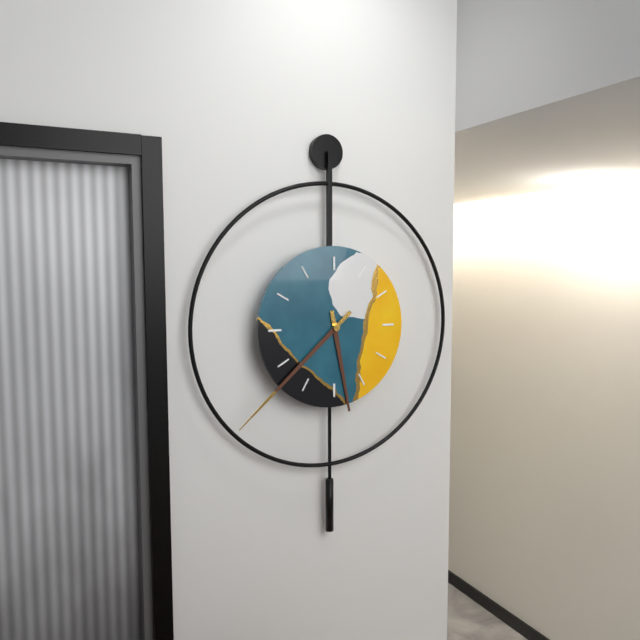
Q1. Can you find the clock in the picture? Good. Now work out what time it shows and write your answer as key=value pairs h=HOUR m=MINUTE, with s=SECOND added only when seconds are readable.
h=5 m=38
